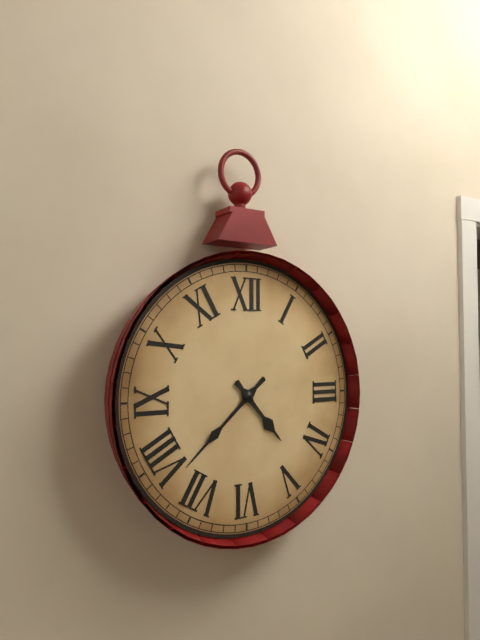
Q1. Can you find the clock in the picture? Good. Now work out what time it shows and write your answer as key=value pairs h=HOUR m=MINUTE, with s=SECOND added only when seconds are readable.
h=4 m=38
